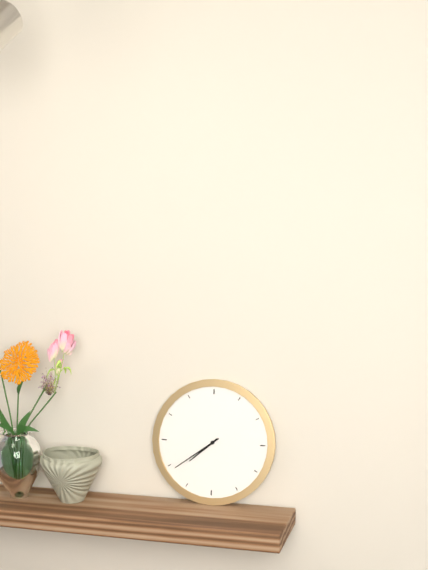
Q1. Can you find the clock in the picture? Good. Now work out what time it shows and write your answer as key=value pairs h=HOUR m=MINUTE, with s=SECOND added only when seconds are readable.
h=7 m=39
